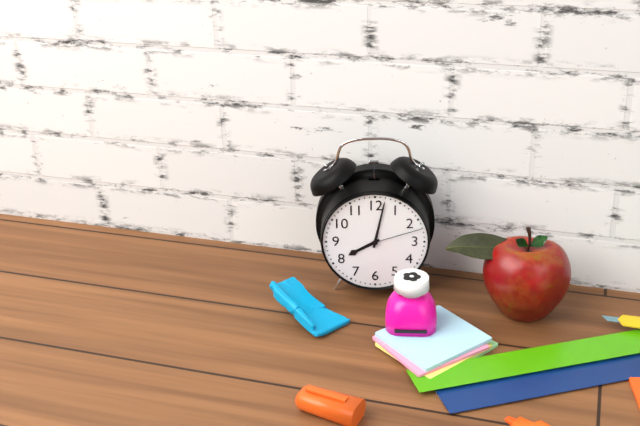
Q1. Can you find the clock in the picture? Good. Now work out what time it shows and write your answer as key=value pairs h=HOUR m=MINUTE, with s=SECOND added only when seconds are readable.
h=8 m=2 s=12
